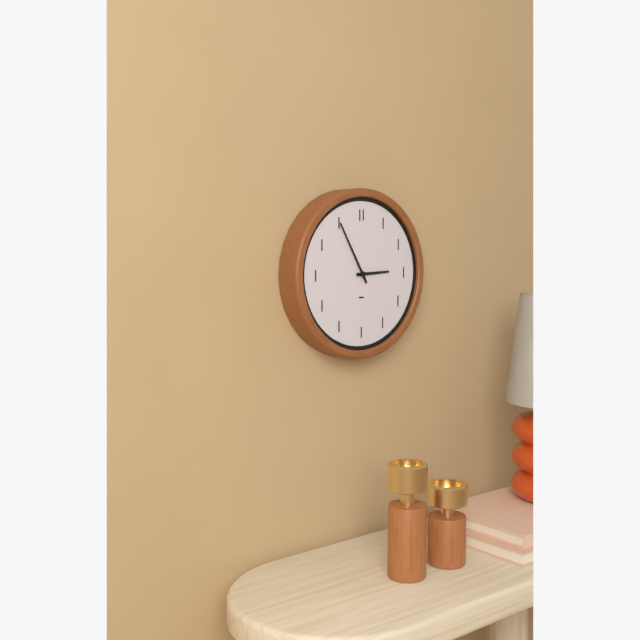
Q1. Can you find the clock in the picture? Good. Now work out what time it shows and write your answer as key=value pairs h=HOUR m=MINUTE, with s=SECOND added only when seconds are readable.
h=2 m=55
